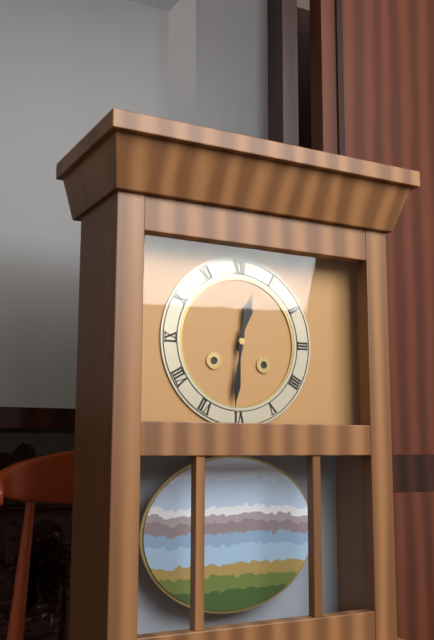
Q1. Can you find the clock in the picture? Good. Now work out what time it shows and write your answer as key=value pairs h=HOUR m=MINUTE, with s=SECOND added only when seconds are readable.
h=12 m=31
